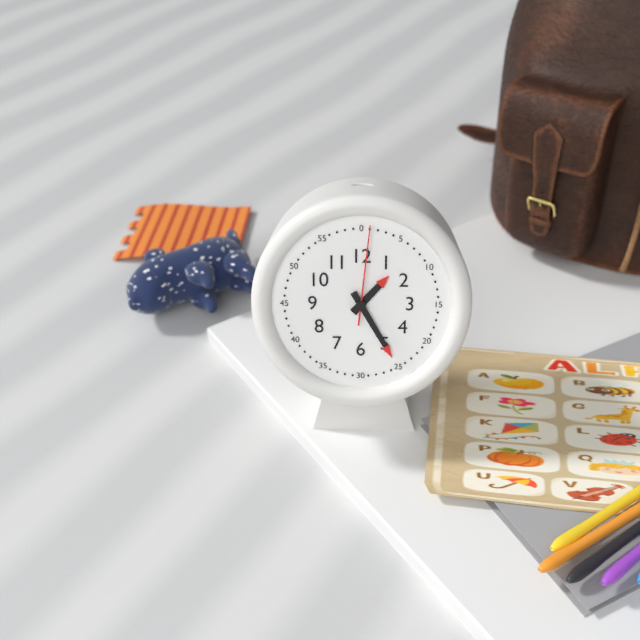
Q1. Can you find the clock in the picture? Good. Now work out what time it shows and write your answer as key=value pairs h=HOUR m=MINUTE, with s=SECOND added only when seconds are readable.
h=1 m=25 s=1
